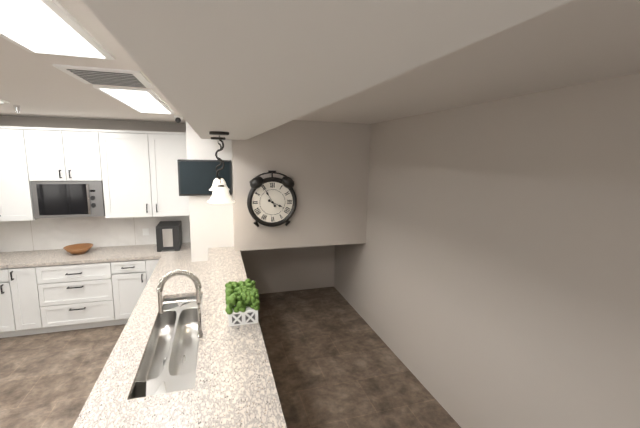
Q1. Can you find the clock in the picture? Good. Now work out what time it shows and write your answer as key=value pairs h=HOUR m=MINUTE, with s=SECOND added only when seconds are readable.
h=3 m=55
